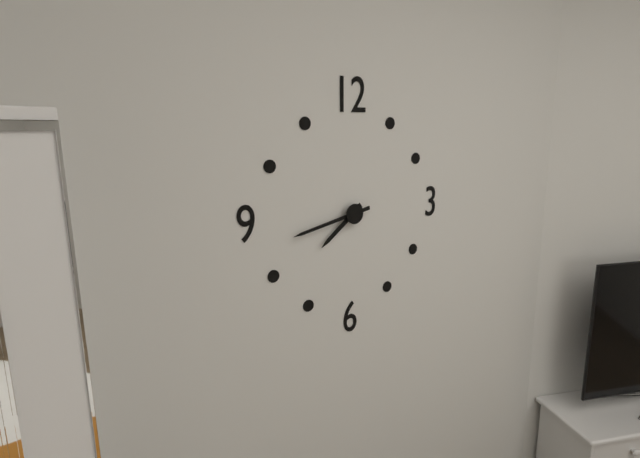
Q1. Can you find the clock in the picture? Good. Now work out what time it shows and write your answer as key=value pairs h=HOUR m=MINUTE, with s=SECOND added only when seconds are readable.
h=7 m=43
